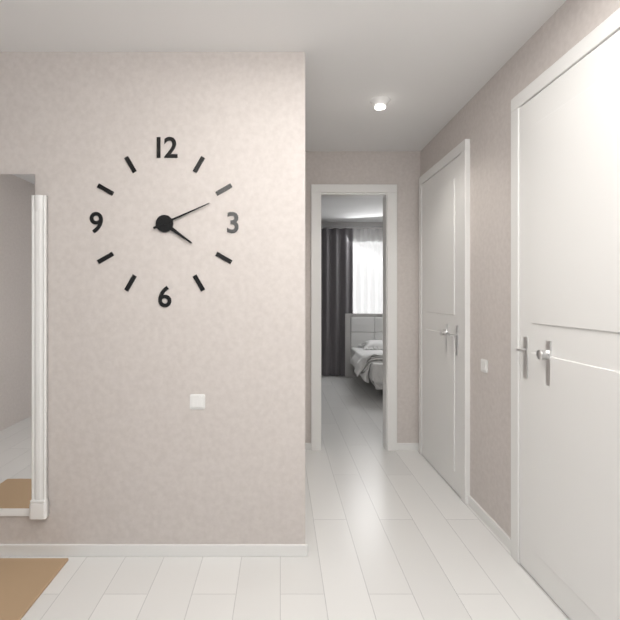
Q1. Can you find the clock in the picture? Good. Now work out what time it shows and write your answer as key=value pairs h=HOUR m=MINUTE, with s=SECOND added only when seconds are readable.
h=4 m=11
